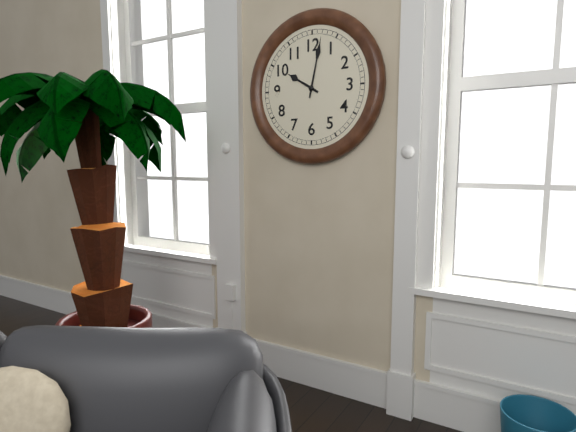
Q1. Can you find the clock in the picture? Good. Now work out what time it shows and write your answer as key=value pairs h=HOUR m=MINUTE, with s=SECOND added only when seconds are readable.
h=10 m=2
